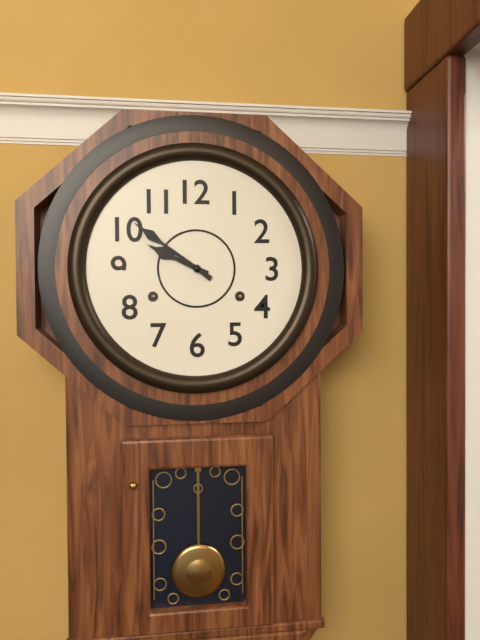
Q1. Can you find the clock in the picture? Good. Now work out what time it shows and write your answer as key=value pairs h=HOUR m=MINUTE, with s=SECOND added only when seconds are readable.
h=9 m=51
